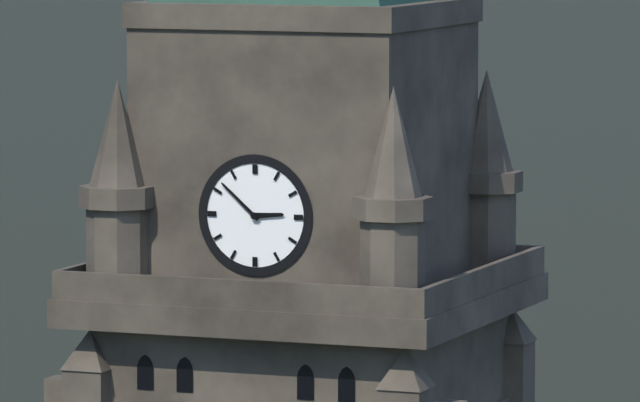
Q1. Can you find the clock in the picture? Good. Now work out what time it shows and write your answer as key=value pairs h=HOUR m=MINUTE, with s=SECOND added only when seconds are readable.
h=2 m=52
